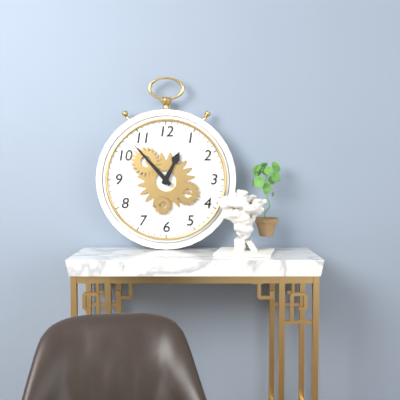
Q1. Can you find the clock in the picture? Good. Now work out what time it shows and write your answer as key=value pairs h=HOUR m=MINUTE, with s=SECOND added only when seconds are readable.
h=12 m=53
